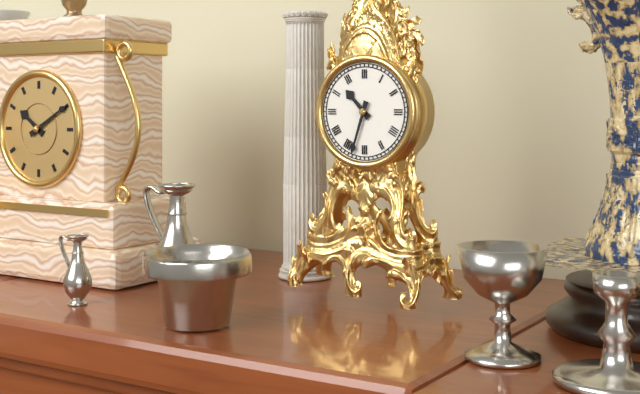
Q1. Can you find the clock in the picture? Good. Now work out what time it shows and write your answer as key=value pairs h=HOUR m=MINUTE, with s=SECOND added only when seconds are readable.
h=10 m=33
